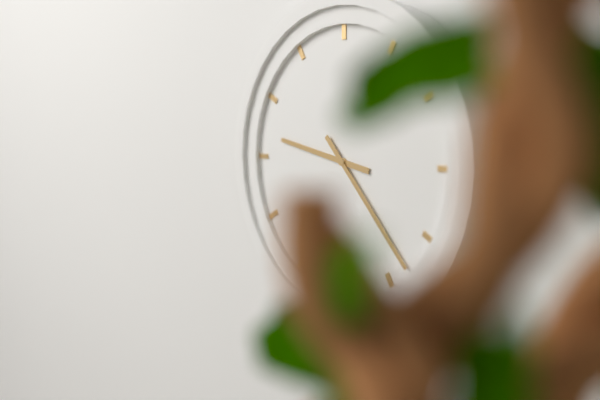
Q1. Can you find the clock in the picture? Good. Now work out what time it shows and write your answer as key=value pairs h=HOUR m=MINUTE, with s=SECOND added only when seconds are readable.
h=9 m=23
